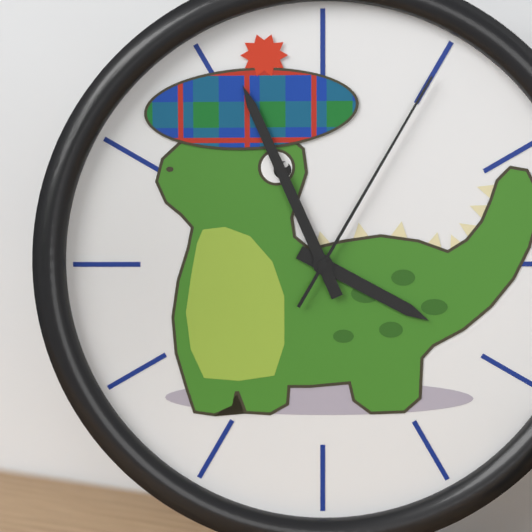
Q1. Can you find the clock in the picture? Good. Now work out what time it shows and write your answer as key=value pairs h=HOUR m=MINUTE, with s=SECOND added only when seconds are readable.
h=3 m=56 s=5
